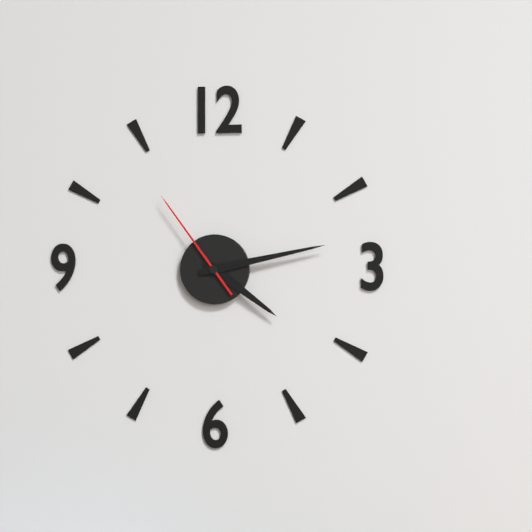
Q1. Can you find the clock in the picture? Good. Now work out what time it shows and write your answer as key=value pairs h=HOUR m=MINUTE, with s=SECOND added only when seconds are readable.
h=4 m=13 s=54
